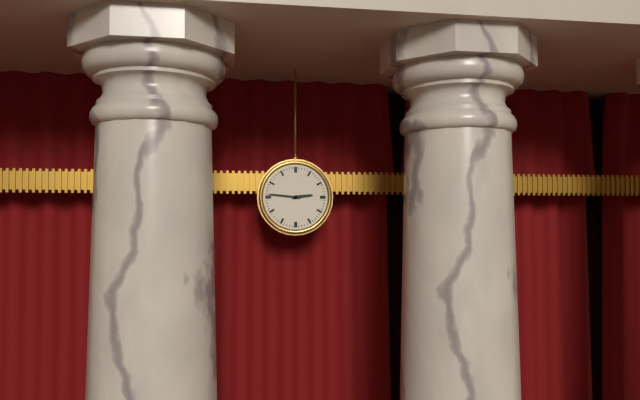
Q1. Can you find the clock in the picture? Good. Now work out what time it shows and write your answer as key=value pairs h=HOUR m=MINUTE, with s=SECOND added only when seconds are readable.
h=2 m=46
